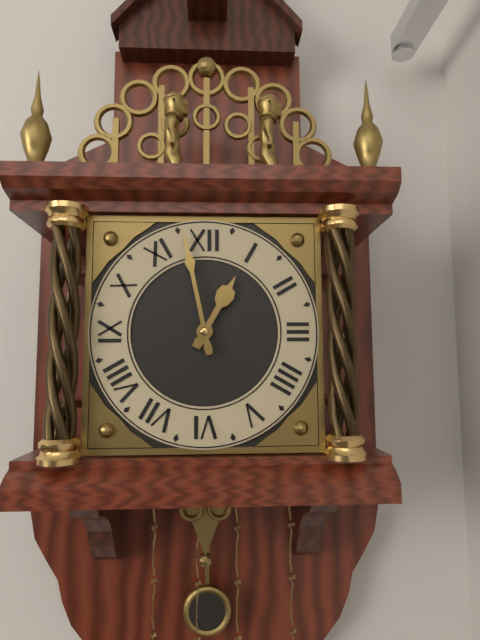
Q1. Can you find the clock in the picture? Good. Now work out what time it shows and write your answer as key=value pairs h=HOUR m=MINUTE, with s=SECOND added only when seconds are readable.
h=12 m=58
